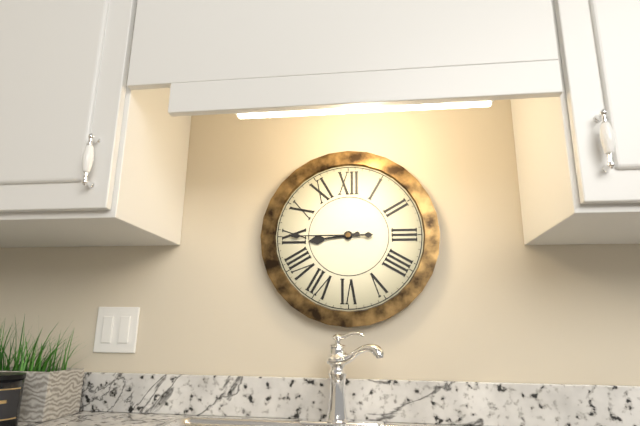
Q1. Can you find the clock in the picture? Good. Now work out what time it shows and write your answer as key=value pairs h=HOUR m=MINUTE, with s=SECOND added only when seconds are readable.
h=8 m=45
